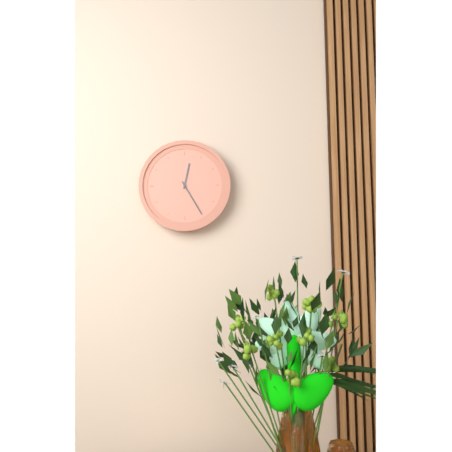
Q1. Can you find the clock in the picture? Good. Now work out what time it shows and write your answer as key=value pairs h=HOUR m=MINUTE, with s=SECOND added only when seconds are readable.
h=12 m=25
